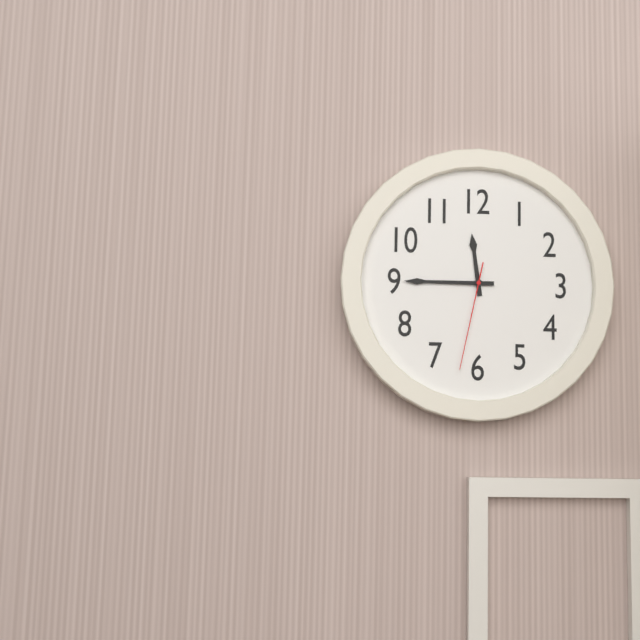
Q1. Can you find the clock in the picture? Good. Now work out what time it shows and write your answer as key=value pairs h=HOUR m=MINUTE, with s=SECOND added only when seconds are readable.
h=11 m=45 s=32
